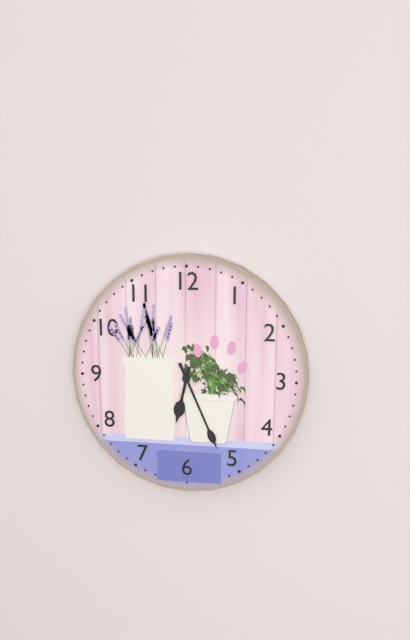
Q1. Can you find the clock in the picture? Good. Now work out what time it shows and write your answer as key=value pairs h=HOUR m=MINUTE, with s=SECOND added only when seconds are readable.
h=6 m=26
